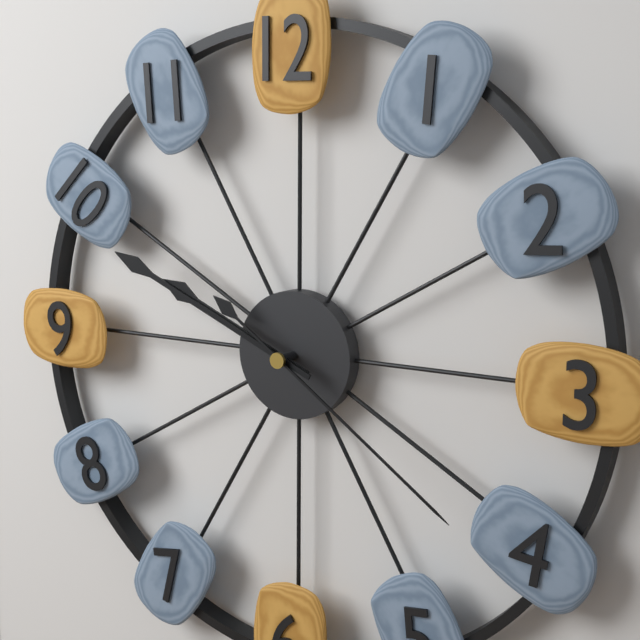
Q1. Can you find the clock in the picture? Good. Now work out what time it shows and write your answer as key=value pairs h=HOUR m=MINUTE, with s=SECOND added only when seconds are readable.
h=9 m=49 s=21
